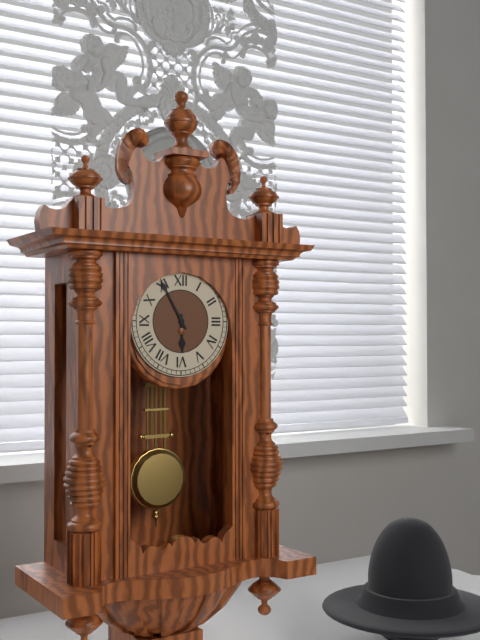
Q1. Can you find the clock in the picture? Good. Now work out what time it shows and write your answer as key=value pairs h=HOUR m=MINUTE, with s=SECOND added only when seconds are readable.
h=5 m=55
